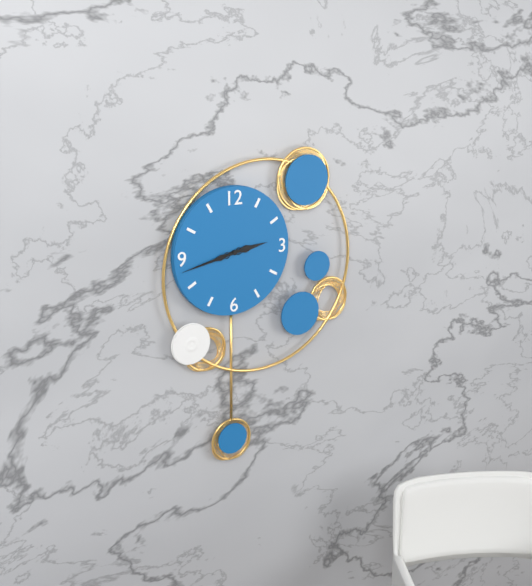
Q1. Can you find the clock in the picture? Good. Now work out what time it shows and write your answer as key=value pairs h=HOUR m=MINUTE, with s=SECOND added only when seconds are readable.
h=2 m=43
